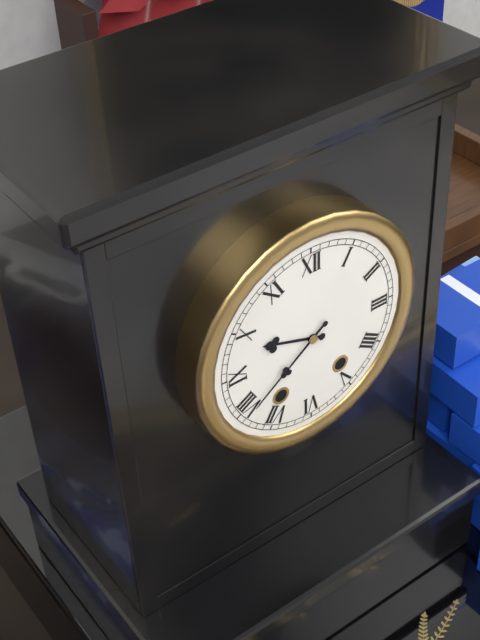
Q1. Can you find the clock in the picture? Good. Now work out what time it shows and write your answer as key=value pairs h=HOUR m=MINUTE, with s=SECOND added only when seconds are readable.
h=9 m=39
